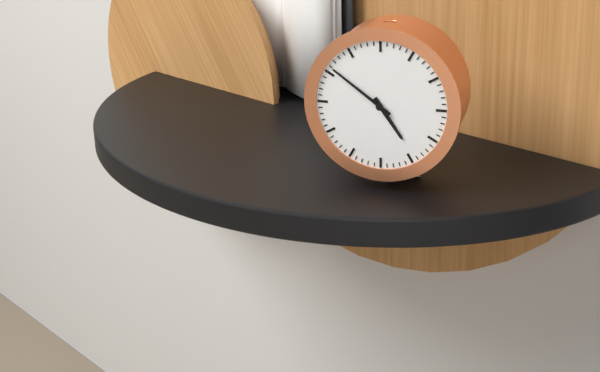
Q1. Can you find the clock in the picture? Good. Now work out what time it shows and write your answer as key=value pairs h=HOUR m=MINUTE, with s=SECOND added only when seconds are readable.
h=4 m=51
